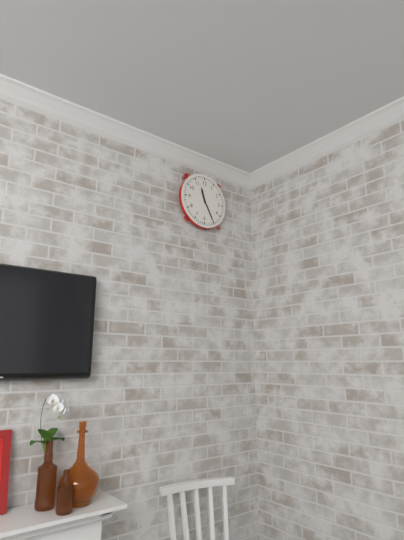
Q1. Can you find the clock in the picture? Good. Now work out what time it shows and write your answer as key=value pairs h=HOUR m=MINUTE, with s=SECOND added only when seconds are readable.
h=11 m=25
